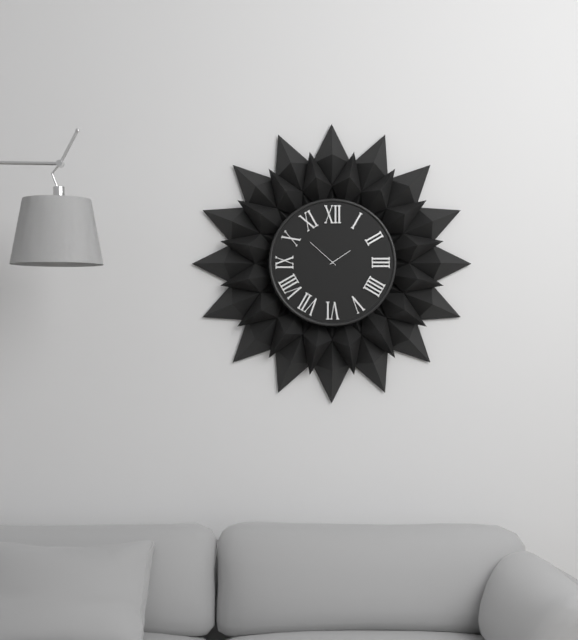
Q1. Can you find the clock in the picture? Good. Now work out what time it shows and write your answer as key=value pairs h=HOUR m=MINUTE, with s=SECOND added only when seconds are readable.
h=1 m=52
